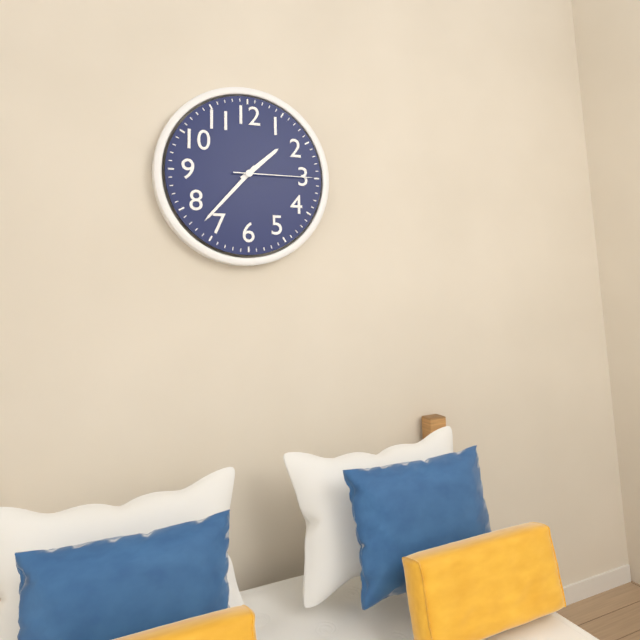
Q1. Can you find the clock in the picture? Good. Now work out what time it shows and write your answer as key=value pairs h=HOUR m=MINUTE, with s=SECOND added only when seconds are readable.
h=1 m=37 s=15
